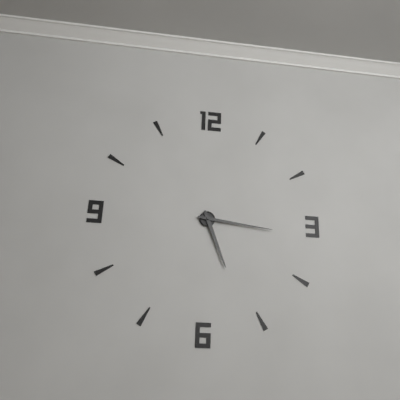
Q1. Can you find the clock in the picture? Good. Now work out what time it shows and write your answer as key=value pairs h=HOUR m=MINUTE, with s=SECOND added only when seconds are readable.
h=5 m=16
